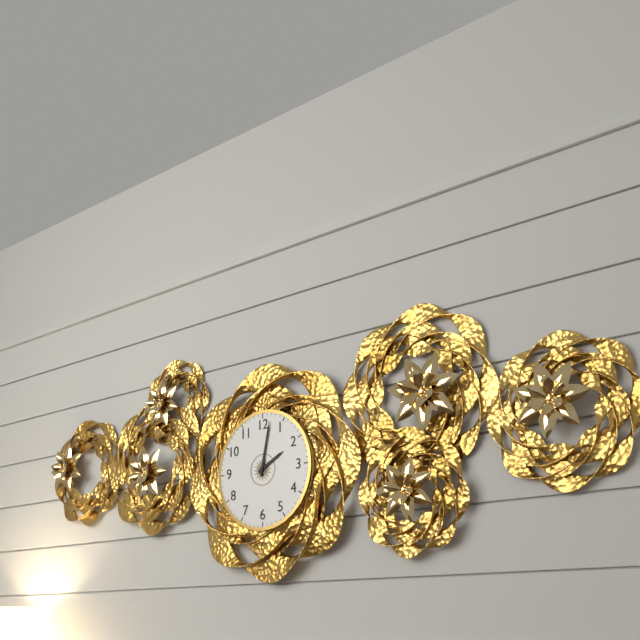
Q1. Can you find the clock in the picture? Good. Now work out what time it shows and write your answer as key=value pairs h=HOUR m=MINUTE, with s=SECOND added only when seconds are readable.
h=2 m=2
